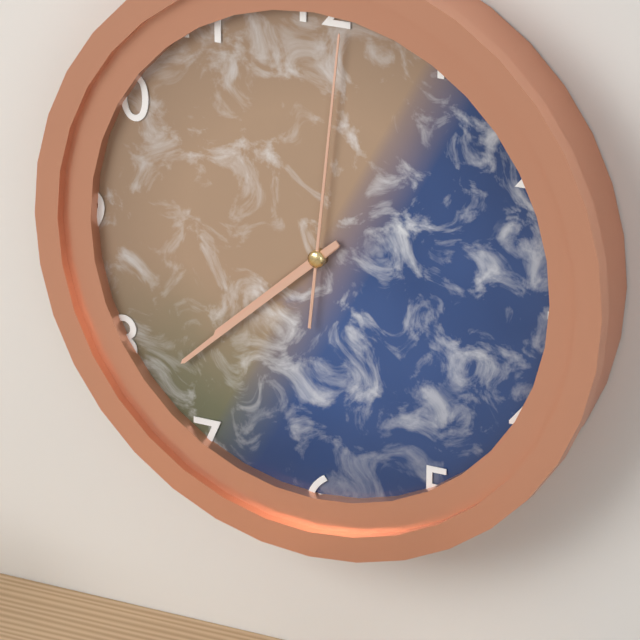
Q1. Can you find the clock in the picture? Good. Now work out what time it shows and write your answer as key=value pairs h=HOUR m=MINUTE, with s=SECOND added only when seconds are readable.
h=7 m=38 s=1
